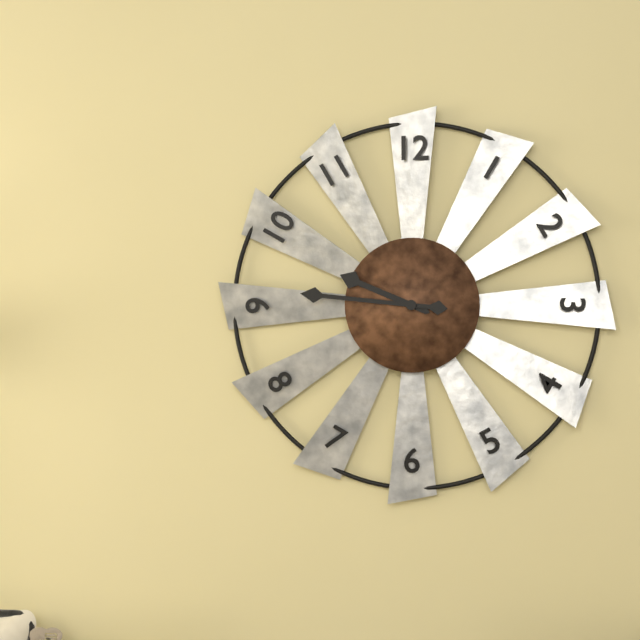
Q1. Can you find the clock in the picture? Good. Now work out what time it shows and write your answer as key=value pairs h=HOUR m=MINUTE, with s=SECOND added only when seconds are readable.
h=9 m=46
